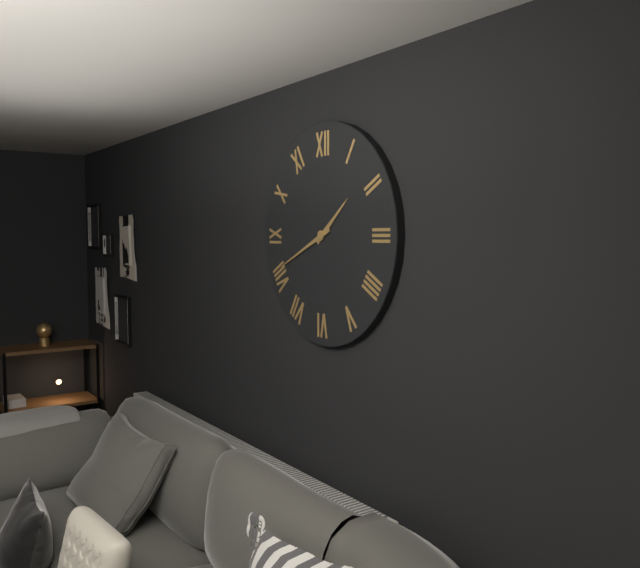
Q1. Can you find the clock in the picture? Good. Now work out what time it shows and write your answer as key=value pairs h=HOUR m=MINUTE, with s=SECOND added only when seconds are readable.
h=1 m=41
